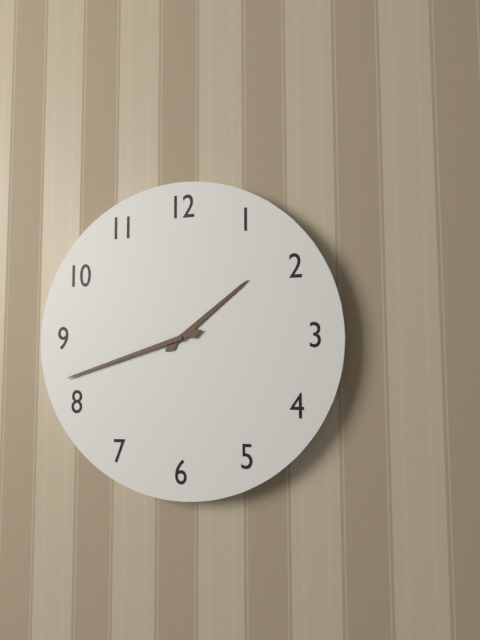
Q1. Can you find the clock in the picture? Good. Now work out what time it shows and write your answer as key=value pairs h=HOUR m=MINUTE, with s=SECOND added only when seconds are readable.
h=1 m=42
